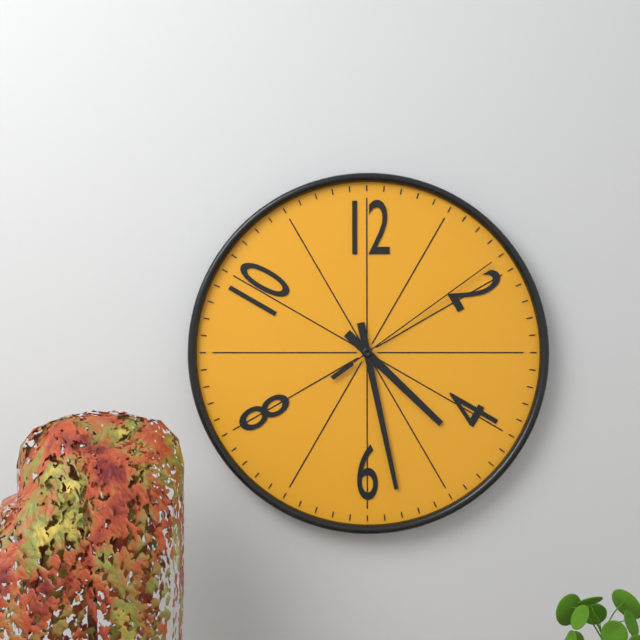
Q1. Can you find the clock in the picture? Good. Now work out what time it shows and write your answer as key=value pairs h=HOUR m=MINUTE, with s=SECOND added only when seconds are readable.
h=4 m=28 s=9
